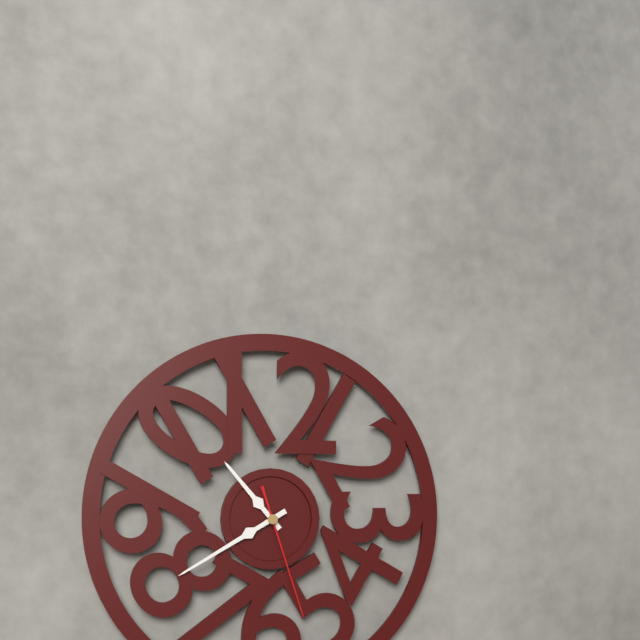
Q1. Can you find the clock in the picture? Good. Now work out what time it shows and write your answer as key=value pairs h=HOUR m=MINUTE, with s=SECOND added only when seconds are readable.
h=10 m=40 s=27
